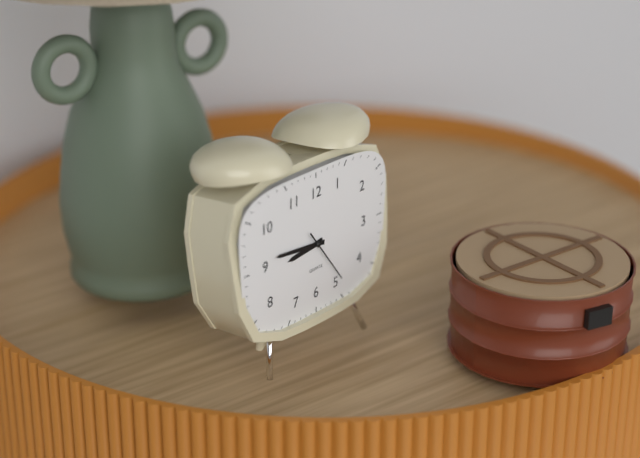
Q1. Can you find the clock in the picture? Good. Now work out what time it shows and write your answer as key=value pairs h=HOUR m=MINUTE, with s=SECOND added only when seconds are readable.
h=8 m=46 s=24
